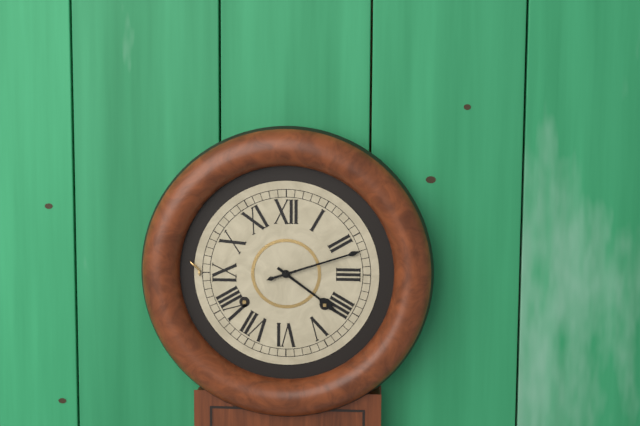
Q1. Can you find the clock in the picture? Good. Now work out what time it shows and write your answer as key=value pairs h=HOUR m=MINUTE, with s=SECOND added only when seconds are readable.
h=4 m=12
